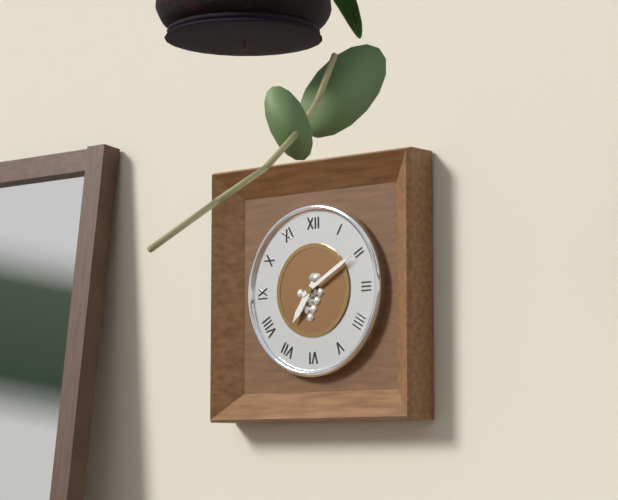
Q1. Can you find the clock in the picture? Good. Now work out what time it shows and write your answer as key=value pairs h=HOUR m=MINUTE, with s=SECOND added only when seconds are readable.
h=7 m=10
